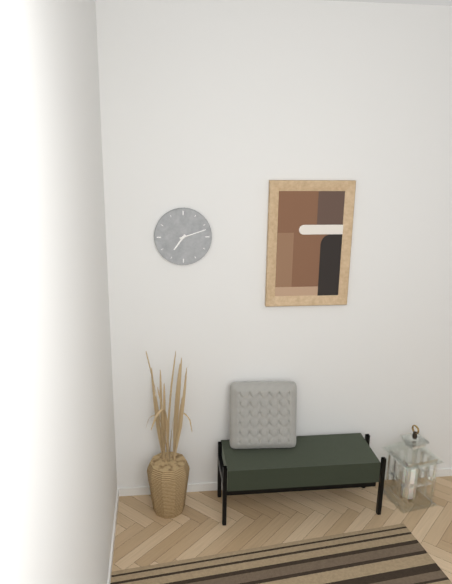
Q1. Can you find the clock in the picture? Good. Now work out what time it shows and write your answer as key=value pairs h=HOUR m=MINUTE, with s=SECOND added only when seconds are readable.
h=7 m=12
